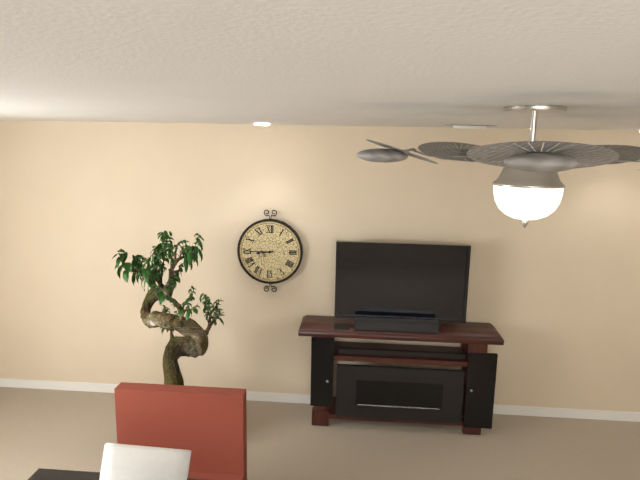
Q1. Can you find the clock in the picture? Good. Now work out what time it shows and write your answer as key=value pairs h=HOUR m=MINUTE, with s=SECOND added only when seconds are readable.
h=8 m=45
